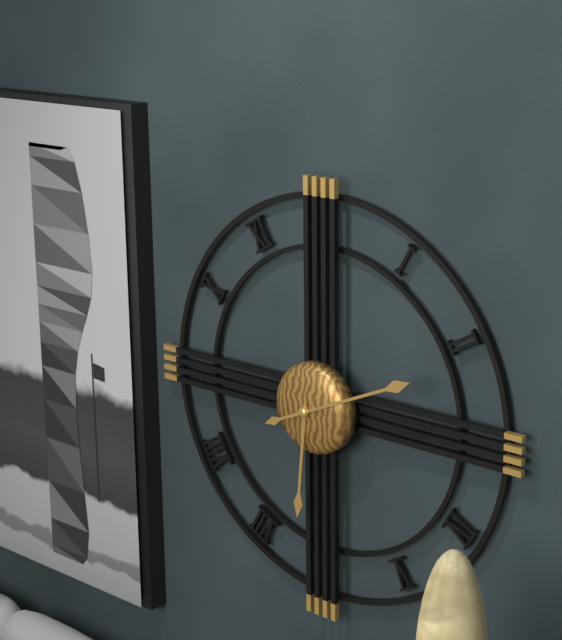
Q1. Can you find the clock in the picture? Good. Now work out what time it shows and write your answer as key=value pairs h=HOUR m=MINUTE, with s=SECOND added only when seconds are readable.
h=6 m=11
